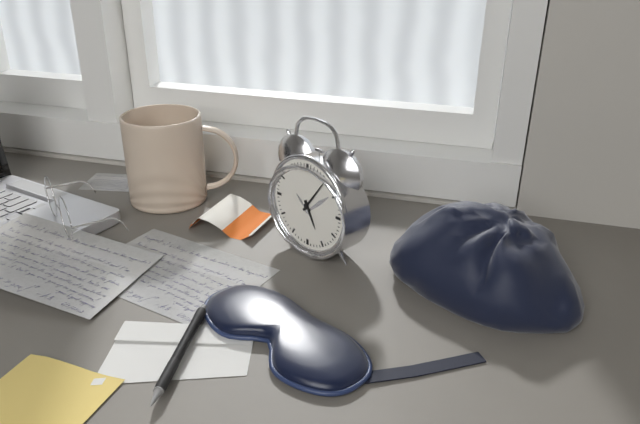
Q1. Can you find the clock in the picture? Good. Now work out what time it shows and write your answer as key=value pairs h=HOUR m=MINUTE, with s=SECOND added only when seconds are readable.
h=5 m=6
